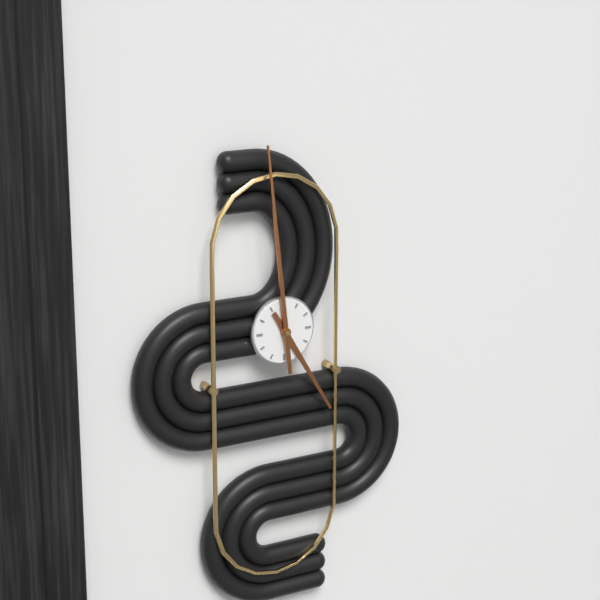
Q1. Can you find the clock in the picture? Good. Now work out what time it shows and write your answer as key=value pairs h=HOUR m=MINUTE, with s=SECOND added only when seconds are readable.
h=4 m=59
